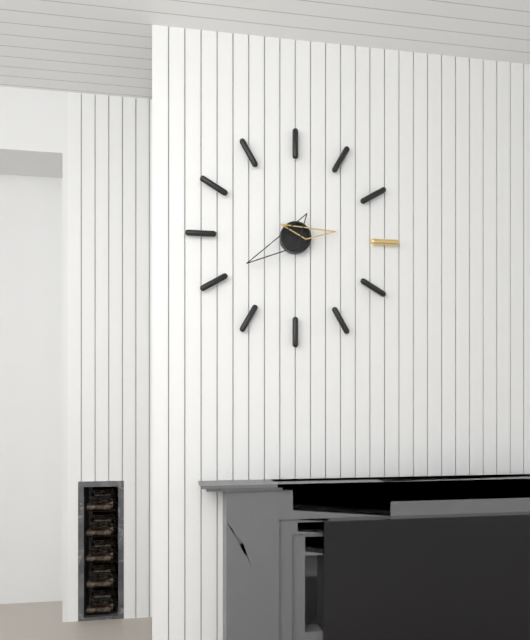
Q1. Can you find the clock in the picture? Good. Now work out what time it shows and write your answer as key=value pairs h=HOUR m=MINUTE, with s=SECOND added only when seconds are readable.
h=2 m=40
